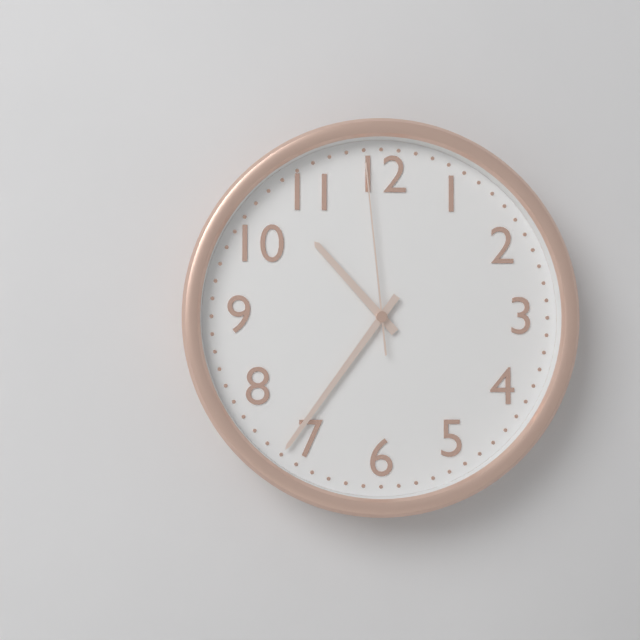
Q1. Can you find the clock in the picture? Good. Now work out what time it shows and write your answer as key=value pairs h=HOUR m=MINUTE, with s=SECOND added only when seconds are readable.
h=10 m=36 s=59
